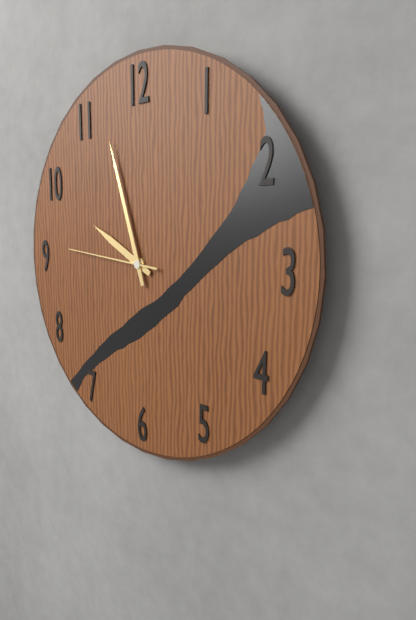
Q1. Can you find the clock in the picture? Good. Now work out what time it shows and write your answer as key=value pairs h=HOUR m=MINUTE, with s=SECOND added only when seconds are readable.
h=9 m=57 s=46
